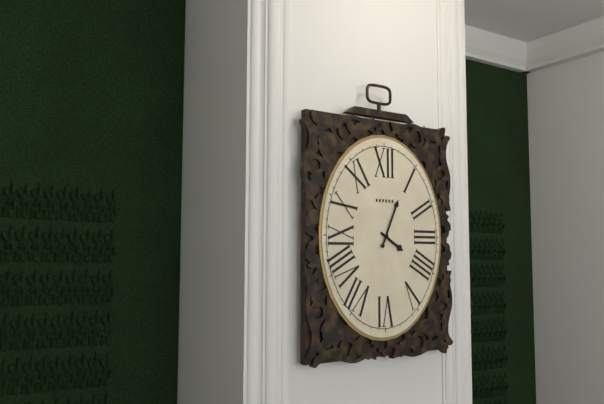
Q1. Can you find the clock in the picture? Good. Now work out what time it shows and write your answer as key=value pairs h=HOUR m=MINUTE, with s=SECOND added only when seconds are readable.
h=4 m=4
